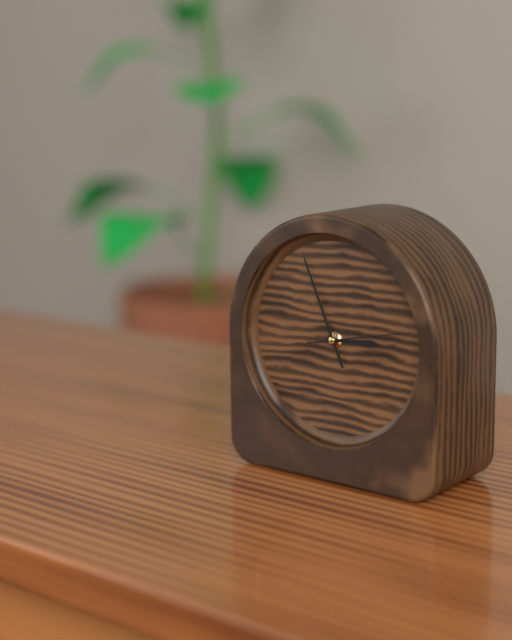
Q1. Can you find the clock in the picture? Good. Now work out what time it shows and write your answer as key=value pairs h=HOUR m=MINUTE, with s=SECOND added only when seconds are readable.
h=2 m=56 s=13
